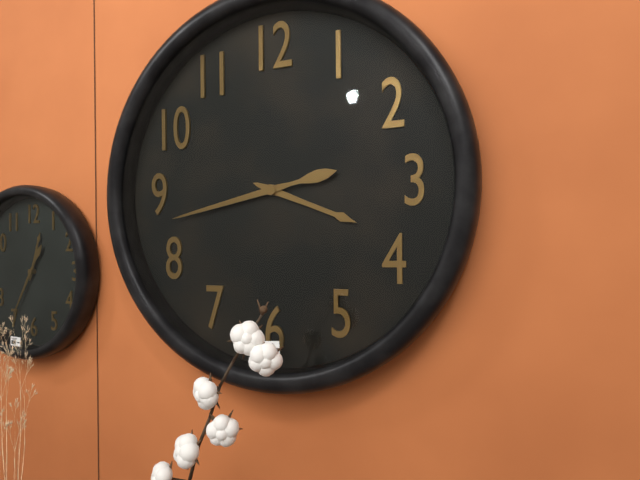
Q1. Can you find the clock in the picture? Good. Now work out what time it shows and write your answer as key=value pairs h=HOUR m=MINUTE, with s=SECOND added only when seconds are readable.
h=3 m=43
